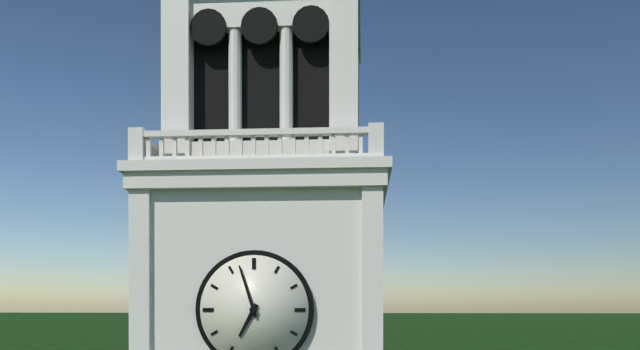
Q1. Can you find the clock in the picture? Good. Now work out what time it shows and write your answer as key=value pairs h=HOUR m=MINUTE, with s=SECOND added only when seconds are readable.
h=6 m=57
